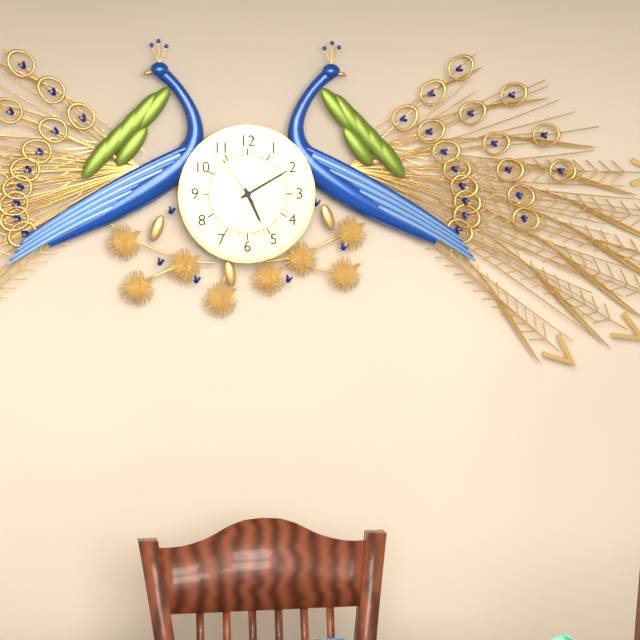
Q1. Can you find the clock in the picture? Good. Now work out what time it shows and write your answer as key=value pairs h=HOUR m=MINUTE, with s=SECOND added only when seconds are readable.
h=5 m=10 s=54
